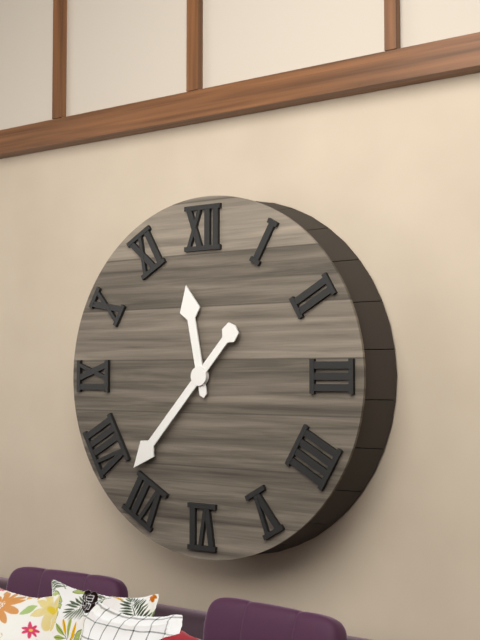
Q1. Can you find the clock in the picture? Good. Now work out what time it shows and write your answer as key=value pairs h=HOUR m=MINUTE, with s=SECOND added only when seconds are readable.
h=11 m=37
